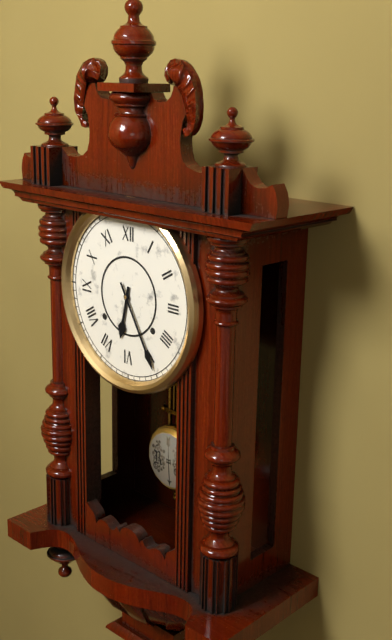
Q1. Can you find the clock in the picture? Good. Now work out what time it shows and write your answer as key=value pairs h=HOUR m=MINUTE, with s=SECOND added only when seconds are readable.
h=6 m=25
